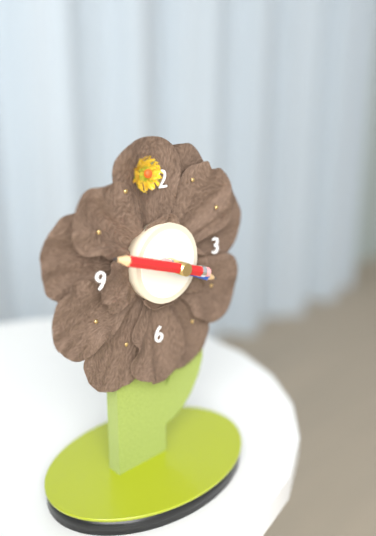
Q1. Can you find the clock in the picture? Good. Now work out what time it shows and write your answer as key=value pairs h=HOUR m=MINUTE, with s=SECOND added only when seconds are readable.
h=3 m=48
